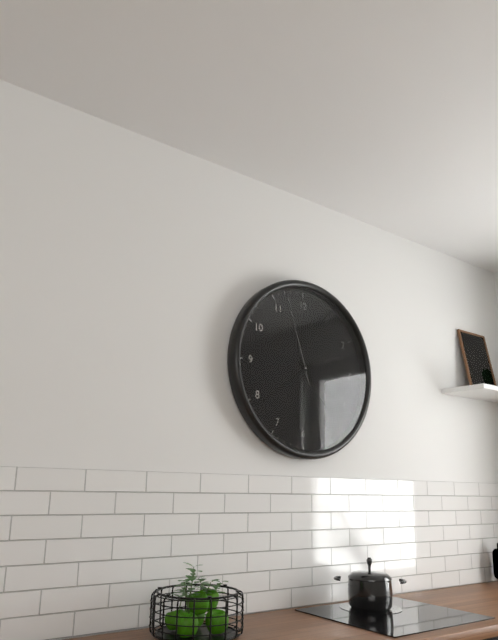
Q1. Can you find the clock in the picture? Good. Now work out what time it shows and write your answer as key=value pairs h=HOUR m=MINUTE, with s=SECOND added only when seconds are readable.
h=4 m=39 s=57
